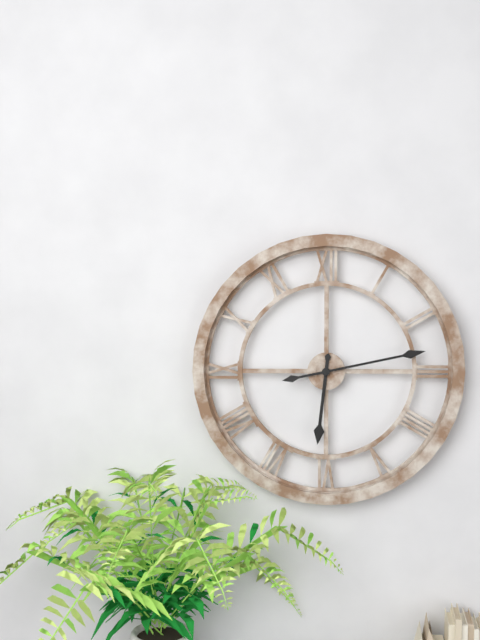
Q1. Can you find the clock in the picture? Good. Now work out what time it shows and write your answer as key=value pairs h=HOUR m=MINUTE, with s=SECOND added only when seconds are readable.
h=6 m=13
